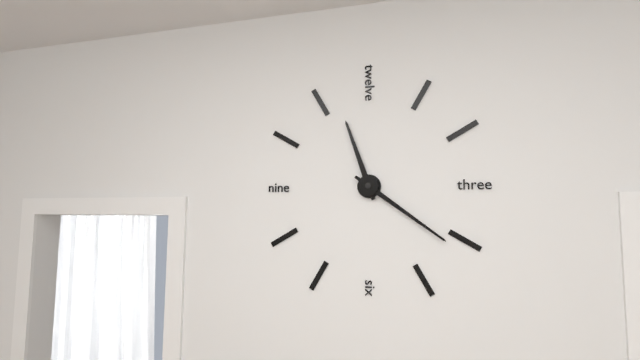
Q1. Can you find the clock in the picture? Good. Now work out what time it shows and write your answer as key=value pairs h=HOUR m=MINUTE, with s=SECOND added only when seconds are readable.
h=11 m=21
